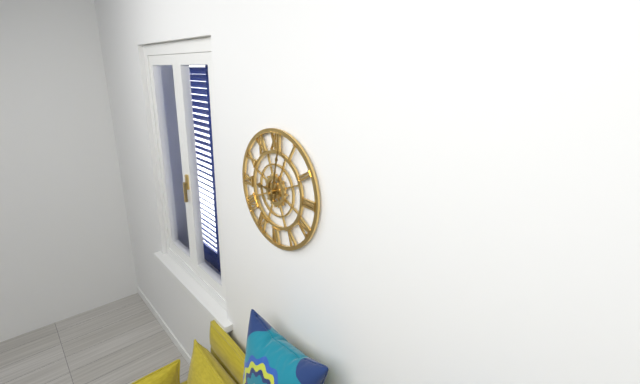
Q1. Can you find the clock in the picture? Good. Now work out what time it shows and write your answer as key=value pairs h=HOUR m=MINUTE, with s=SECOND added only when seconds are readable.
h=9 m=2
